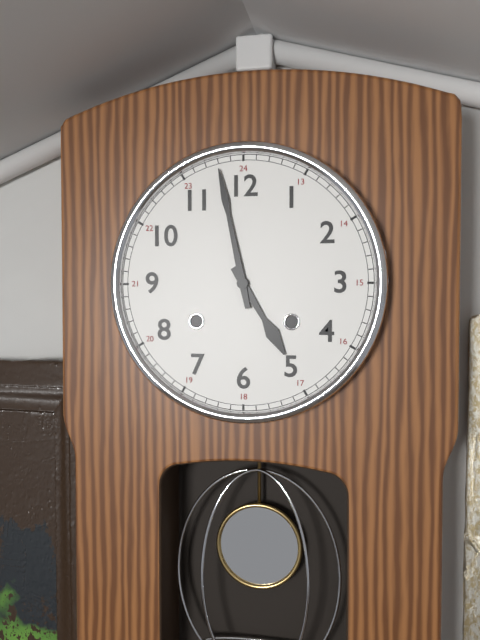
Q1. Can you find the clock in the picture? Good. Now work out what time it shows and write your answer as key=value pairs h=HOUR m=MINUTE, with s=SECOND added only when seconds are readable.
h=4 m=58
